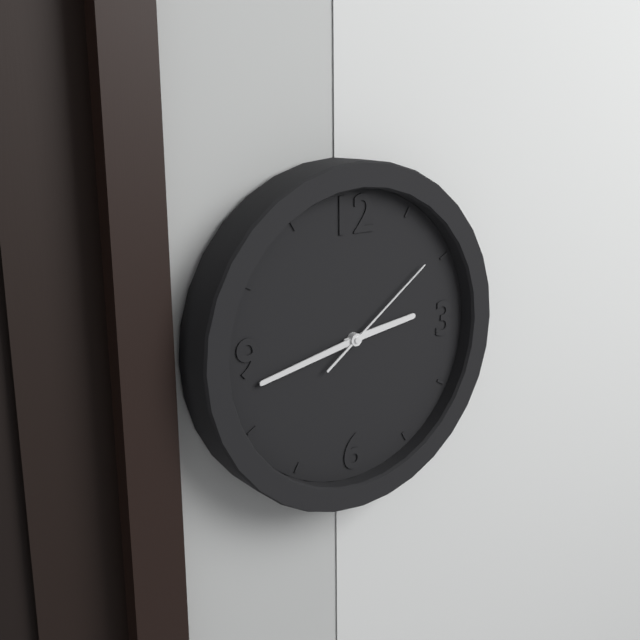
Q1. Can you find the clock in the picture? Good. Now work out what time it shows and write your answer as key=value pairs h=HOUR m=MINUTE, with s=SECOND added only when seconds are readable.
h=2 m=43 s=9
